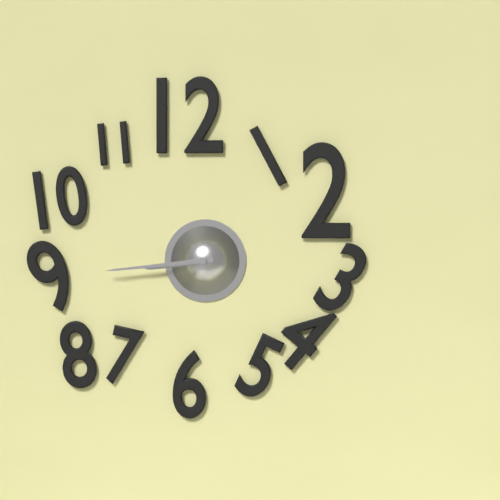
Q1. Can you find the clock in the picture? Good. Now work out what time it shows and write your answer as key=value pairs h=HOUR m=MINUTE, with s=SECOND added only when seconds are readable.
h=8 m=44
